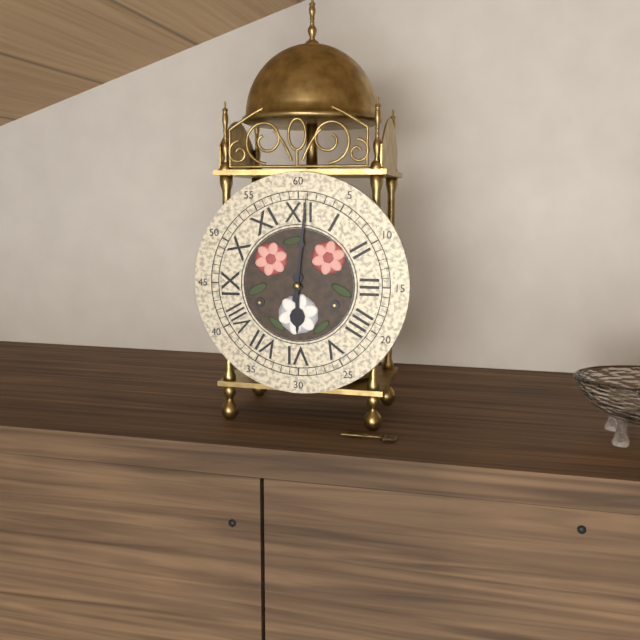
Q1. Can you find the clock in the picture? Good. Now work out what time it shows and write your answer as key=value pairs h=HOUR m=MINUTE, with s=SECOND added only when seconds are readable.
h=6 m=1
